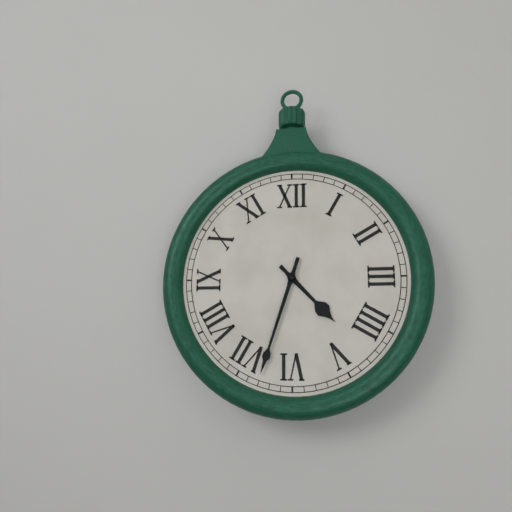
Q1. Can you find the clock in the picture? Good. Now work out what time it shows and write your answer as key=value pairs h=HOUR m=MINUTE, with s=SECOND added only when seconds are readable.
h=4 m=33
